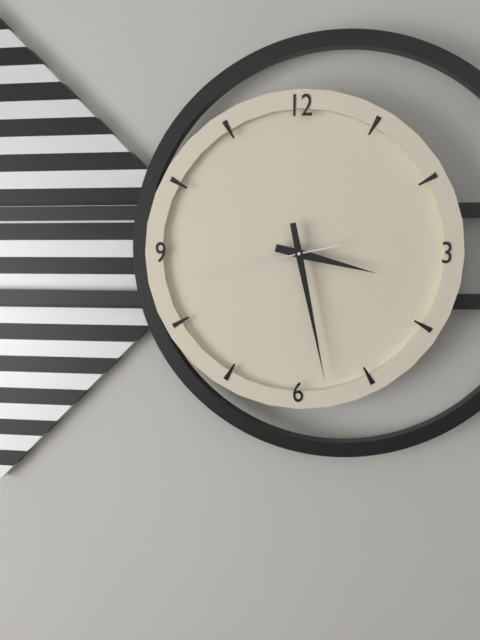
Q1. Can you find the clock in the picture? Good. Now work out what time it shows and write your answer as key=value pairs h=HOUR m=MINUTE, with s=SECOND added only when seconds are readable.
h=3 m=28 s=43
